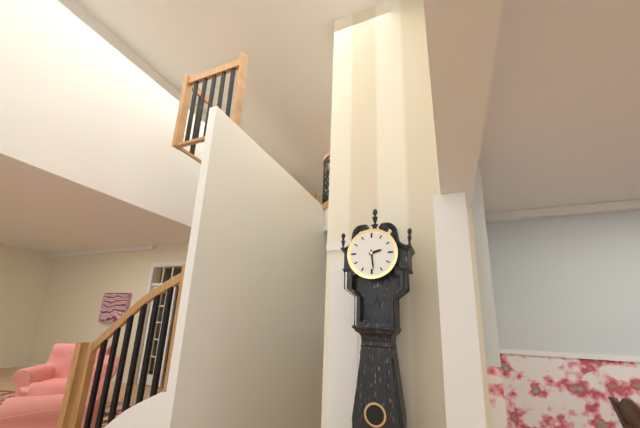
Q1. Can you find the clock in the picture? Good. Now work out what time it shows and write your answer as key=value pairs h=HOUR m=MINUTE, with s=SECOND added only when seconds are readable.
h=2 m=29
